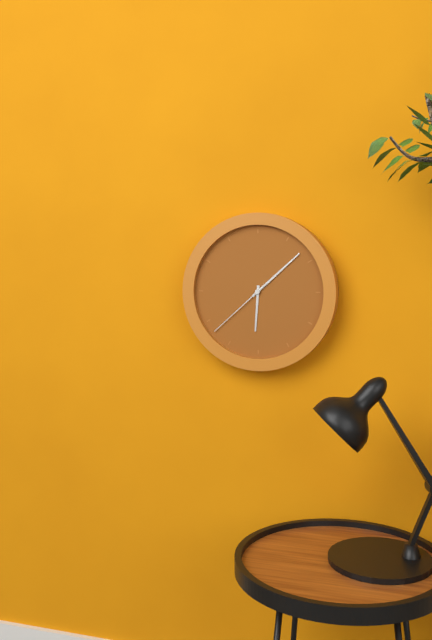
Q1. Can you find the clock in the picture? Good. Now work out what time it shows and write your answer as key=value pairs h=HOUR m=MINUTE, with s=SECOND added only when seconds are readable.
h=6 m=8 s=38
